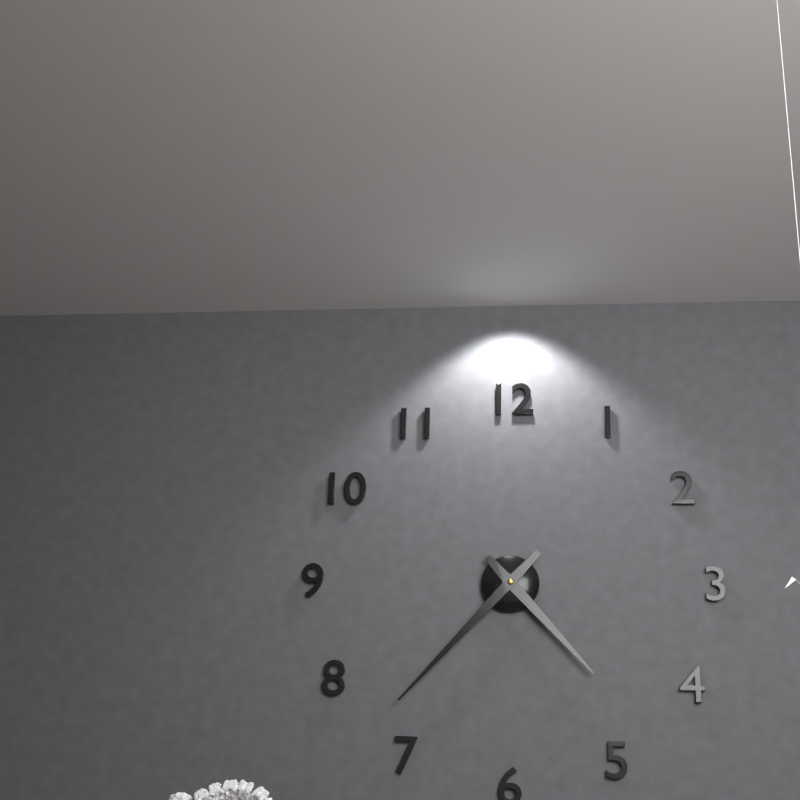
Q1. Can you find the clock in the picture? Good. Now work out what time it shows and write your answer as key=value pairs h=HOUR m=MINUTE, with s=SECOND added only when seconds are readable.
h=4 m=37
